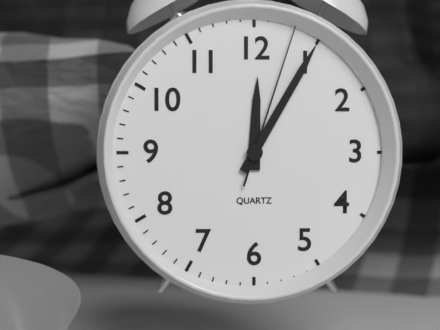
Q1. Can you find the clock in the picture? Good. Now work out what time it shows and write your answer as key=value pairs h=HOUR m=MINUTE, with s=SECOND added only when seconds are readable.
h=12 m=5 s=3
